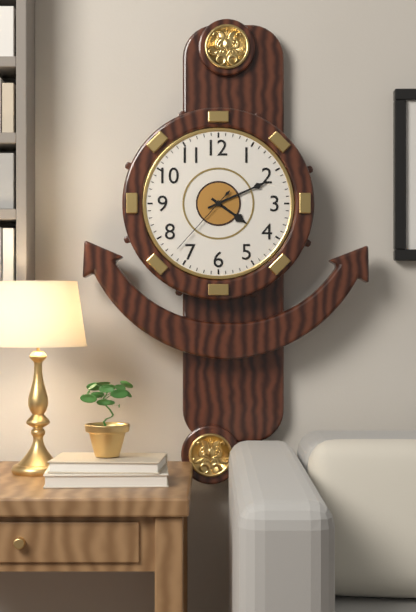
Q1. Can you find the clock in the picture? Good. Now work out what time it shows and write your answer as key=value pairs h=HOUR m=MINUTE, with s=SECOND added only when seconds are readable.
h=4 m=11 s=37
